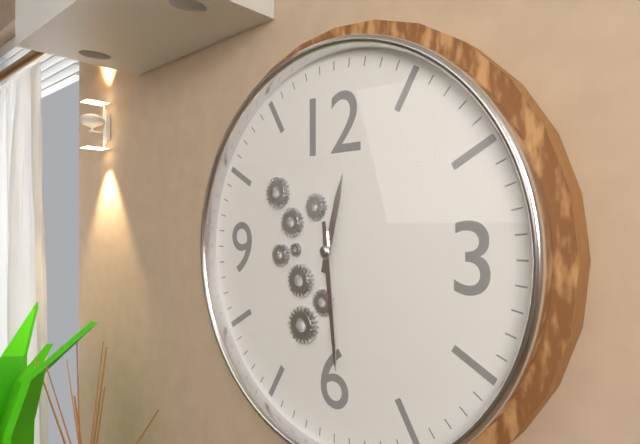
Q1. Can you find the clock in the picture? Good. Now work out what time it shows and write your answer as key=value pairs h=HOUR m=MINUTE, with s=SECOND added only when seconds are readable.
h=12 m=29
